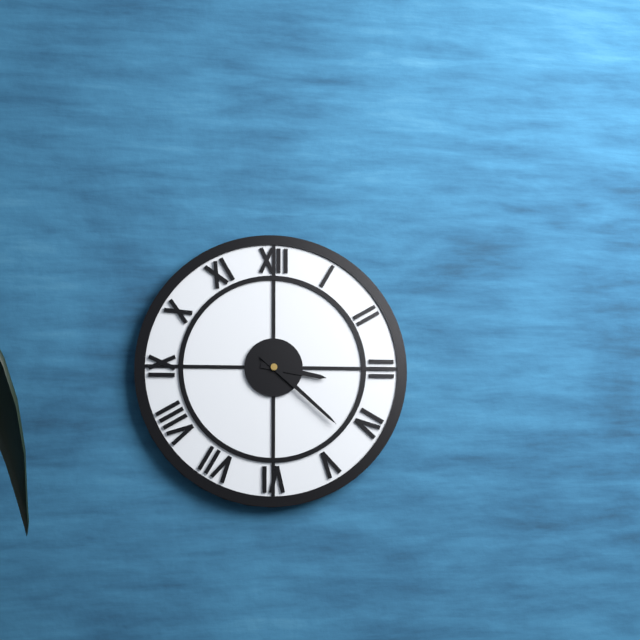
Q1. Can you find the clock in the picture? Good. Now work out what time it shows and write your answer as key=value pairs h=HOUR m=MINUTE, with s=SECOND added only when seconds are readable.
h=3 m=22
